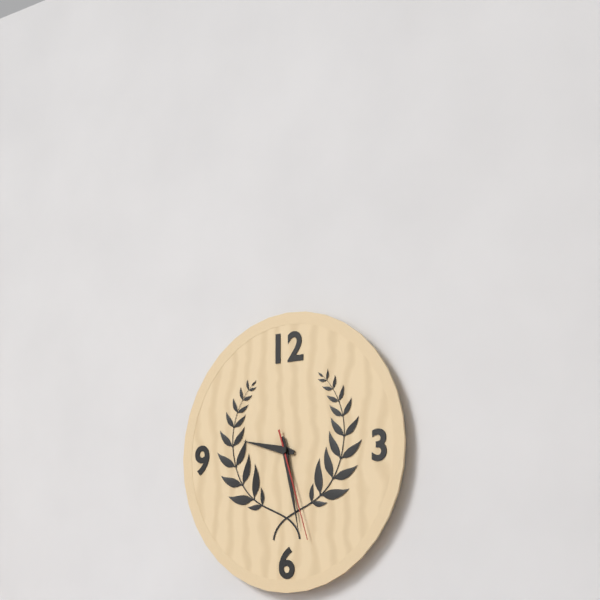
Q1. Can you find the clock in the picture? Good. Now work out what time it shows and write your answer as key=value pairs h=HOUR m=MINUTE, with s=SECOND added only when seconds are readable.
h=9 m=28 s=27
